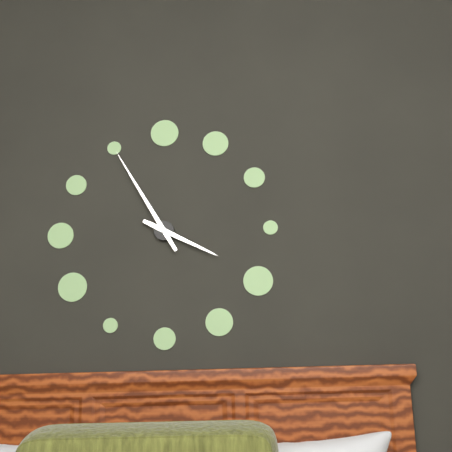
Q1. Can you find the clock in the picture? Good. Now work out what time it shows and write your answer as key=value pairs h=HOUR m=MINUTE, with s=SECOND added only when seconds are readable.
h=3 m=55
